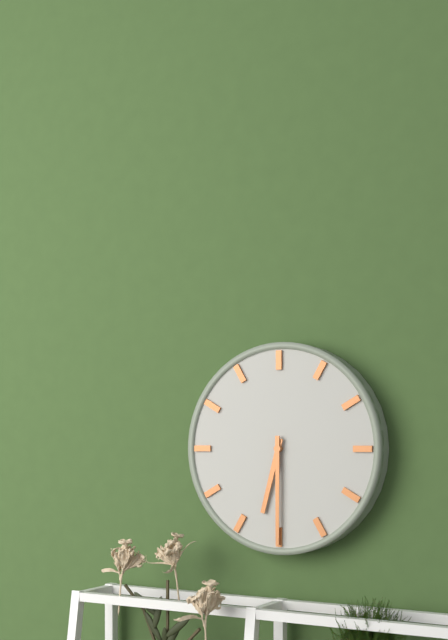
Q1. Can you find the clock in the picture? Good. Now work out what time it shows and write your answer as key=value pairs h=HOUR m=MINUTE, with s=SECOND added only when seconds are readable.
h=6 m=30
